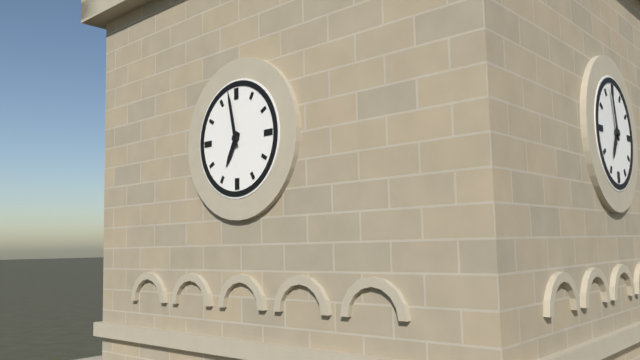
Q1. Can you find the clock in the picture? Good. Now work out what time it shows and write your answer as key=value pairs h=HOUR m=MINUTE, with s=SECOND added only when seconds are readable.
h=6 m=58
